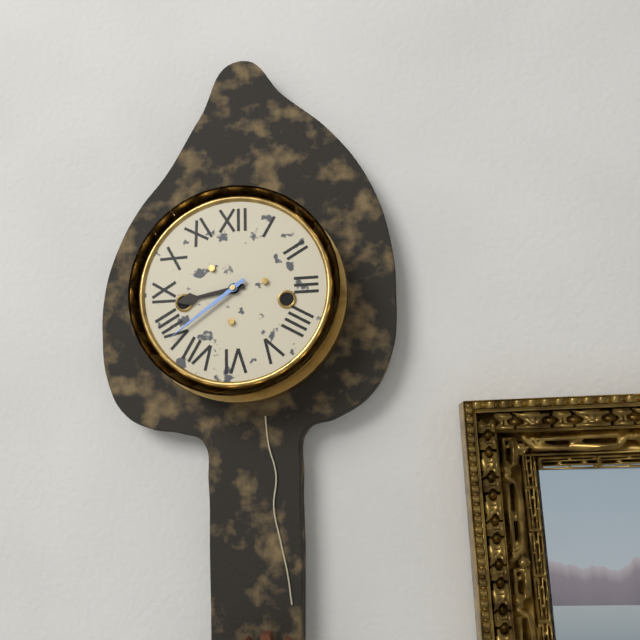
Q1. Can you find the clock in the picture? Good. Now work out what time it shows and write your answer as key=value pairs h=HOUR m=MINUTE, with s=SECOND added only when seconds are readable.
h=8 m=39
